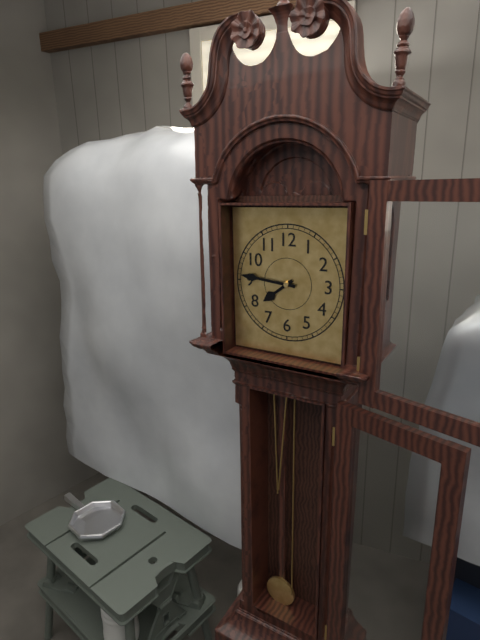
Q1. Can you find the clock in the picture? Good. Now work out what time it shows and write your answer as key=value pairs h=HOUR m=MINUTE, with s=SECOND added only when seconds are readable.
h=7 m=46
